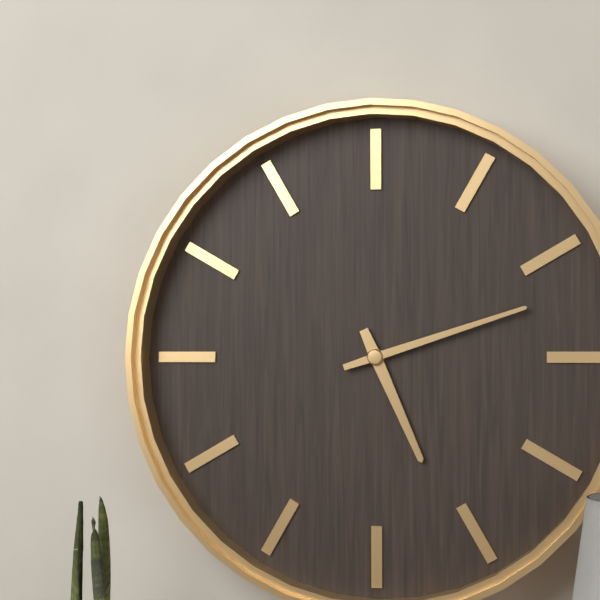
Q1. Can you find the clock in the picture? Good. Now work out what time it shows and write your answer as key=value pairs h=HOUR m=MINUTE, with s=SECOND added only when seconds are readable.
h=5 m=12
